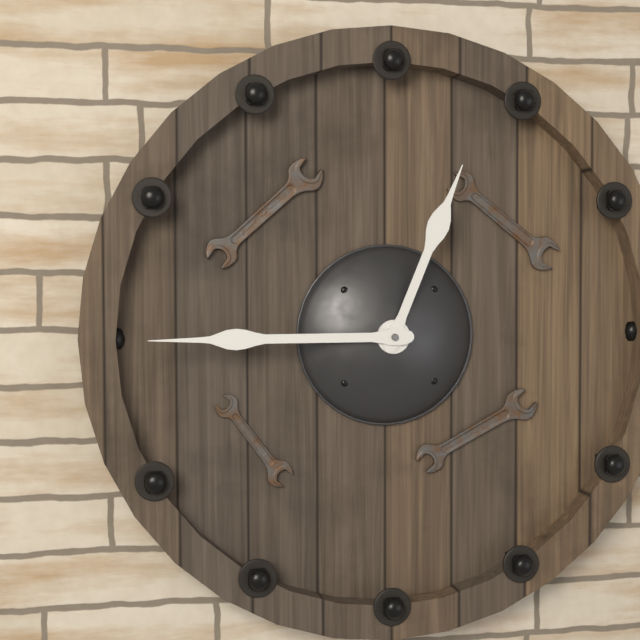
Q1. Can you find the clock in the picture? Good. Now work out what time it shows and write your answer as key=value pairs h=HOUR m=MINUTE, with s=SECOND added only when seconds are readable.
h=12 m=45
